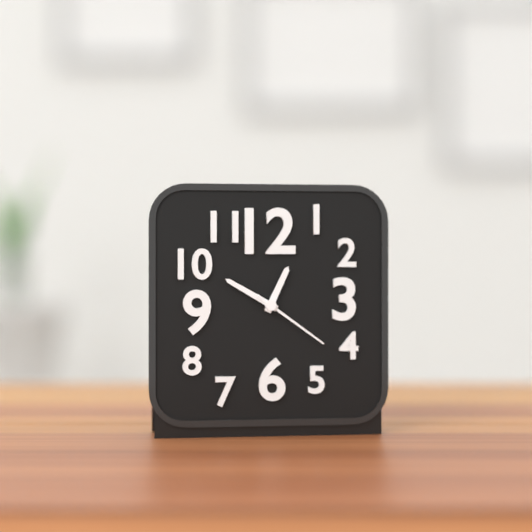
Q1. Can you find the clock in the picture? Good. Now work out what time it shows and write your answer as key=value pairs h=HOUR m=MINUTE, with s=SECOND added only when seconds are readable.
h=12 m=50 s=21
